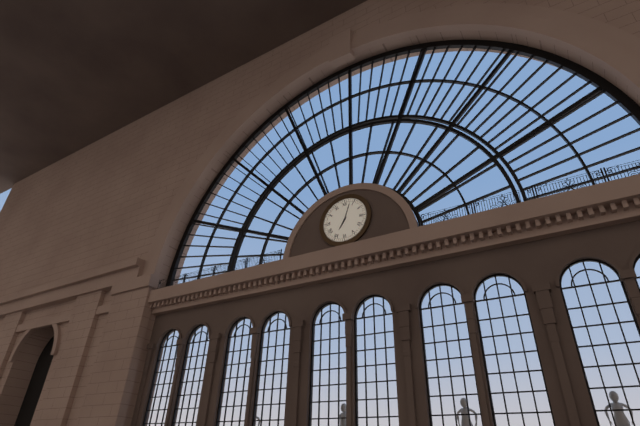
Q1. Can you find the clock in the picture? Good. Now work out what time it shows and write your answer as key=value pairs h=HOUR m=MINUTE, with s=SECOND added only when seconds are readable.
h=7 m=3
